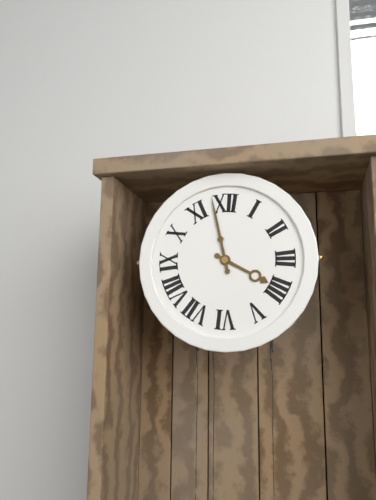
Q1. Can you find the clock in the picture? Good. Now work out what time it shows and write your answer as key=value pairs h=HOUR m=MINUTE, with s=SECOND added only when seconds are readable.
h=3 m=58
